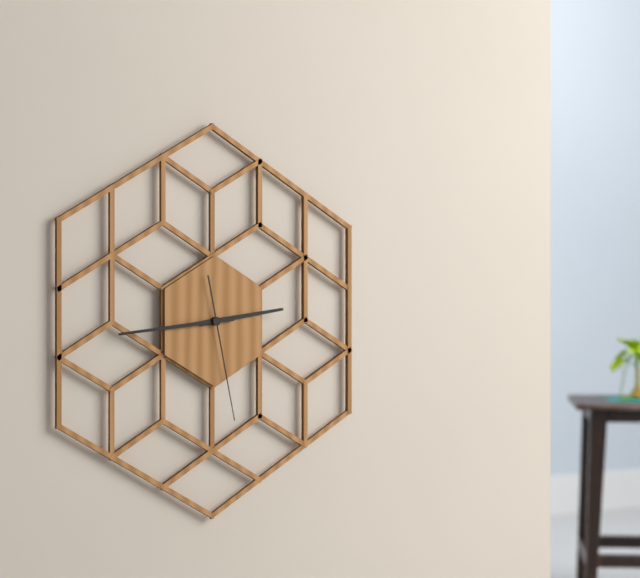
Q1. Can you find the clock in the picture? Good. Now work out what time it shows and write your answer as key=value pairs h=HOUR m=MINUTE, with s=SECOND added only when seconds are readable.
h=2 m=44 s=28
